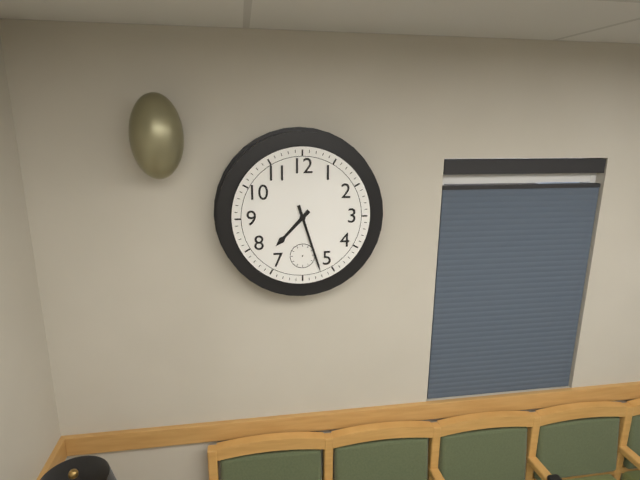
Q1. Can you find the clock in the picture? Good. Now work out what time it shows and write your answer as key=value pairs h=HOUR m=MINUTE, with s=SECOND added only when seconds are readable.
h=7 m=27
